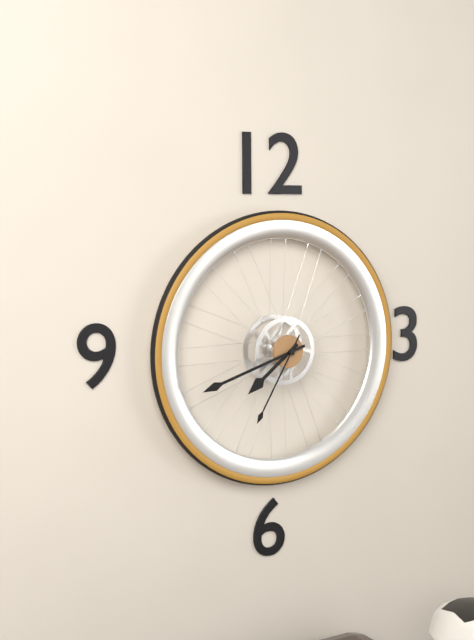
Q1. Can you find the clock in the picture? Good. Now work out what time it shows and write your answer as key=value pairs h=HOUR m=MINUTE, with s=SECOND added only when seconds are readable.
h=7 m=42 s=35
